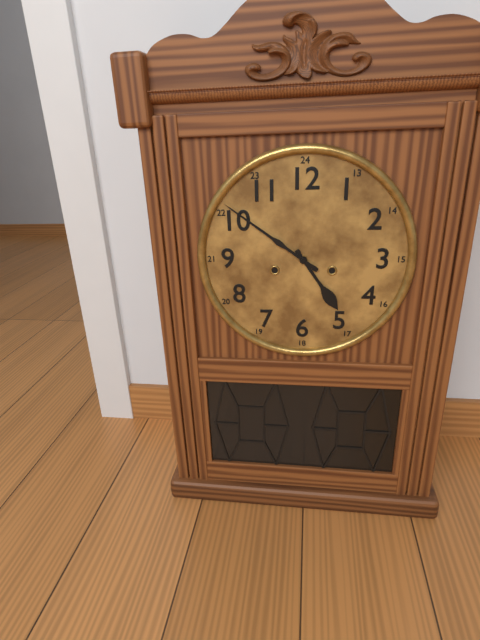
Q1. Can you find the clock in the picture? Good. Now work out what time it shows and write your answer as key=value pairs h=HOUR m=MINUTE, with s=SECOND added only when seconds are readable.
h=4 m=51
